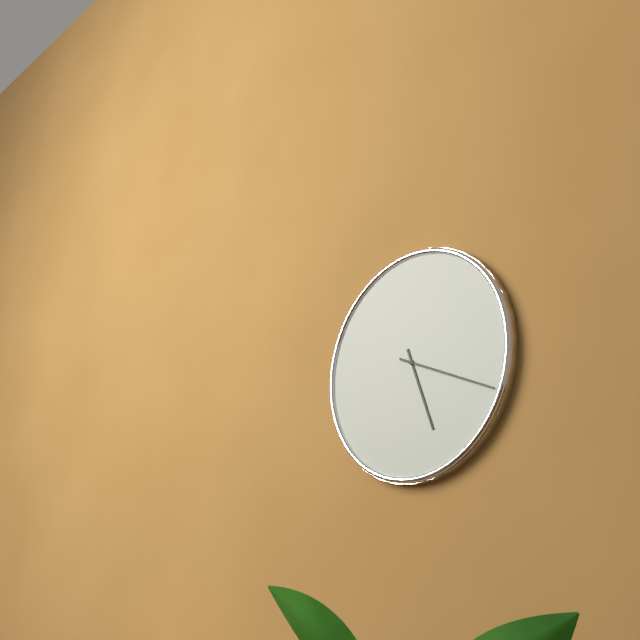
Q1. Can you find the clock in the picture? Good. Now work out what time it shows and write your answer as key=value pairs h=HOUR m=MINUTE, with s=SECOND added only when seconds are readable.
h=5 m=19
